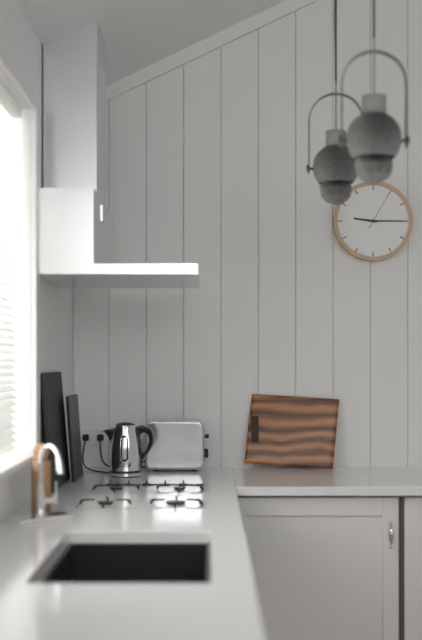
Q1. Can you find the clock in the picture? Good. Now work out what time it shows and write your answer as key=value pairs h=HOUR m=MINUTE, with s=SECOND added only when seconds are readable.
h=9 m=15
